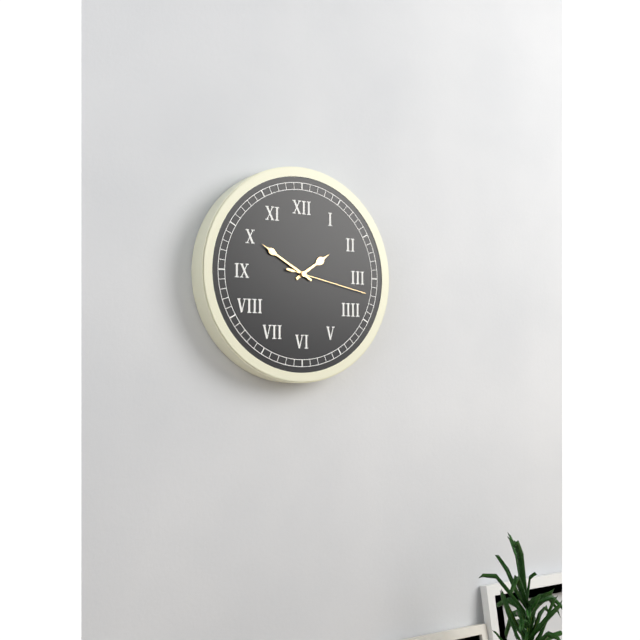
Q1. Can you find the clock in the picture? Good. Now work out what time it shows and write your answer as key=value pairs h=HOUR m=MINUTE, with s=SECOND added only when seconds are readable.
h=1 m=50 s=17
